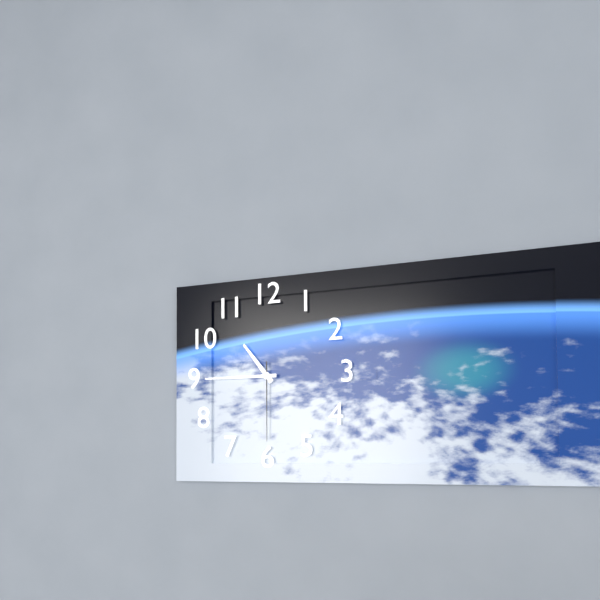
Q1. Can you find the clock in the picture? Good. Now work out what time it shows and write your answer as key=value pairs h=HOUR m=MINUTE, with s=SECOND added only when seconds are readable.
h=10 m=45 s=30
